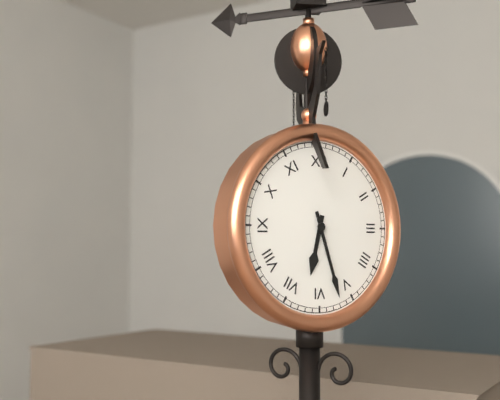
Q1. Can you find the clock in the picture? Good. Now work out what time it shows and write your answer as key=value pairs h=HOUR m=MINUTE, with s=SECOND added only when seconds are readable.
h=6 m=27
